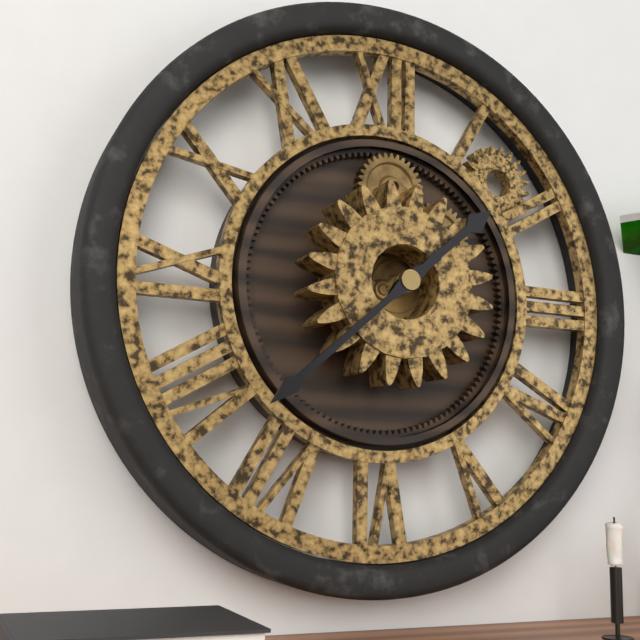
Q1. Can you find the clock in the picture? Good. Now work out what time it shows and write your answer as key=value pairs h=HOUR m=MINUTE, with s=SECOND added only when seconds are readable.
h=1 m=38
